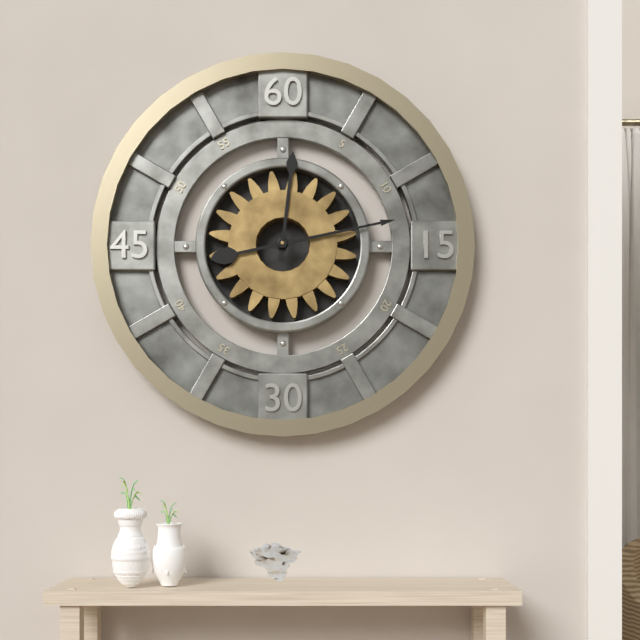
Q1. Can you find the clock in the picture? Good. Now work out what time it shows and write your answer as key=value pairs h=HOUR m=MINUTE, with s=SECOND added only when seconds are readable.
h=12 m=13
